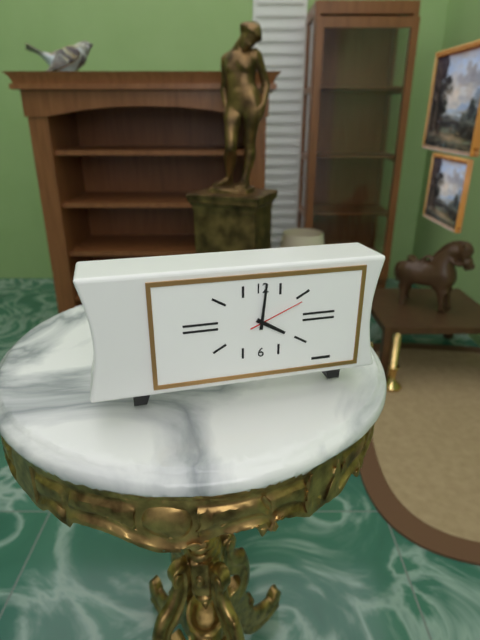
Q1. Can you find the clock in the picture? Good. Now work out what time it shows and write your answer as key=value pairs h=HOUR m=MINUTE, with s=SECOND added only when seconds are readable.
h=4 m=1 s=11
